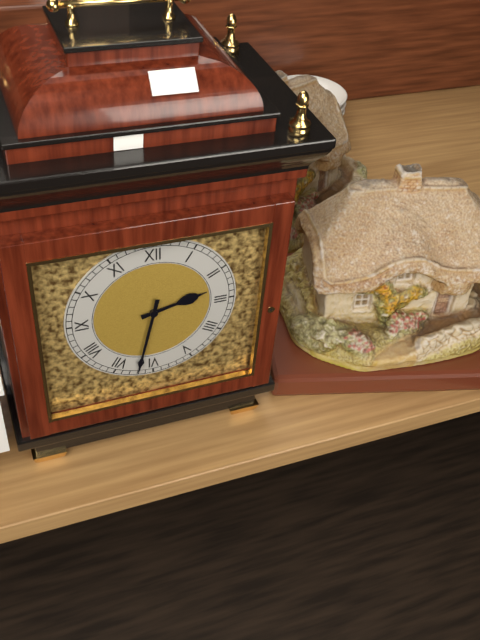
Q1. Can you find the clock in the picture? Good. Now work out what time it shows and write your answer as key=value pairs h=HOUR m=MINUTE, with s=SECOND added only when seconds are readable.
h=2 m=32
